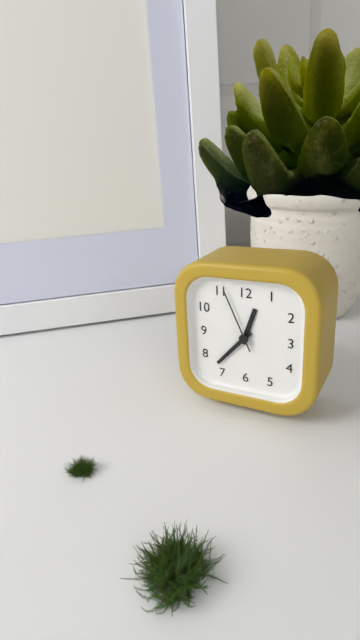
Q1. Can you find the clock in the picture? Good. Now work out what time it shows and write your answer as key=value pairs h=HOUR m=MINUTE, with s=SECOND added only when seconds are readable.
h=12 m=37 s=56
